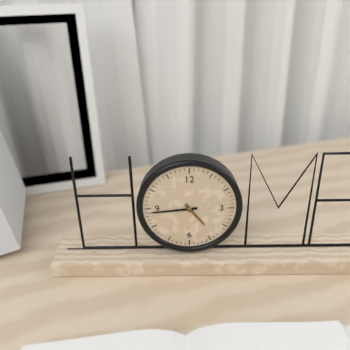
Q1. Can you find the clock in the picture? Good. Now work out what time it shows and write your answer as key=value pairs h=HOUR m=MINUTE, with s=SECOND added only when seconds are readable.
h=4 m=44
